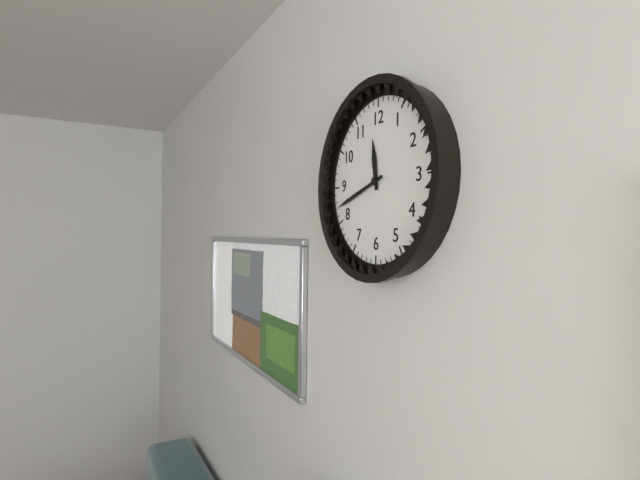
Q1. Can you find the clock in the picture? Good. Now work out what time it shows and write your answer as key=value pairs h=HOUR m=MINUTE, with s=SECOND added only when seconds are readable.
h=11 m=42
